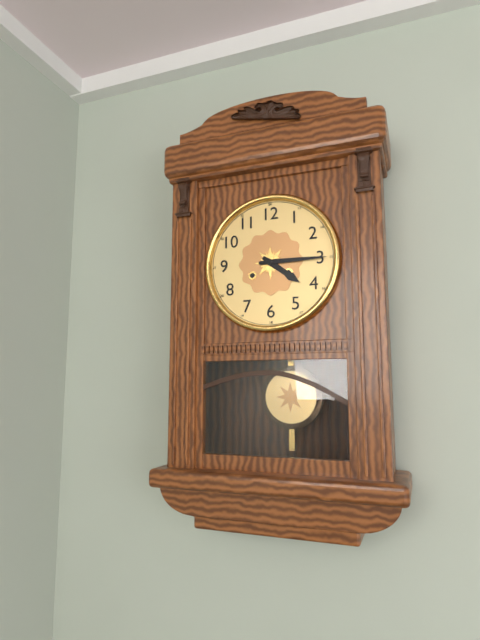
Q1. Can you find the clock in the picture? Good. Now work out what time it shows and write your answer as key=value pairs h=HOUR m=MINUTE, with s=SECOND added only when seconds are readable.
h=4 m=15
